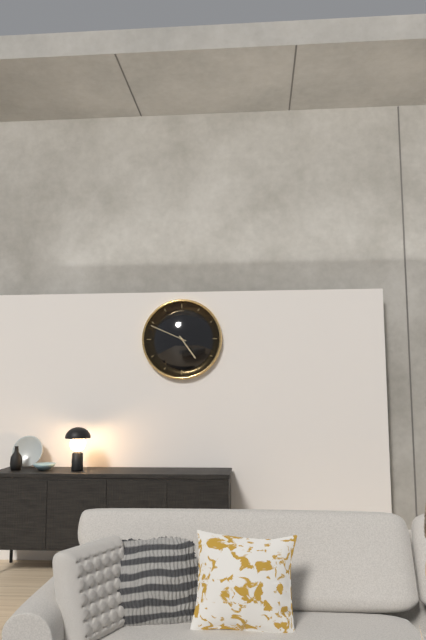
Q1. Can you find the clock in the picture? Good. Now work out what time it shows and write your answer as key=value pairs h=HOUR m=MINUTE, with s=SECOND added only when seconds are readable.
h=4 m=49
